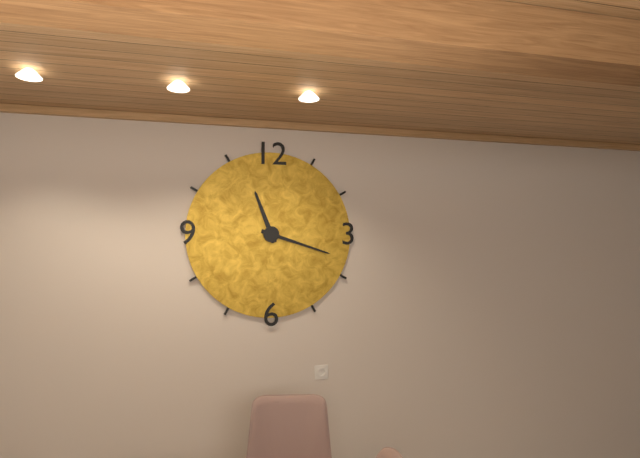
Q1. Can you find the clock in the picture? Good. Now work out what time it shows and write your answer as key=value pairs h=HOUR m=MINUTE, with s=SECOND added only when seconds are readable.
h=11 m=18
